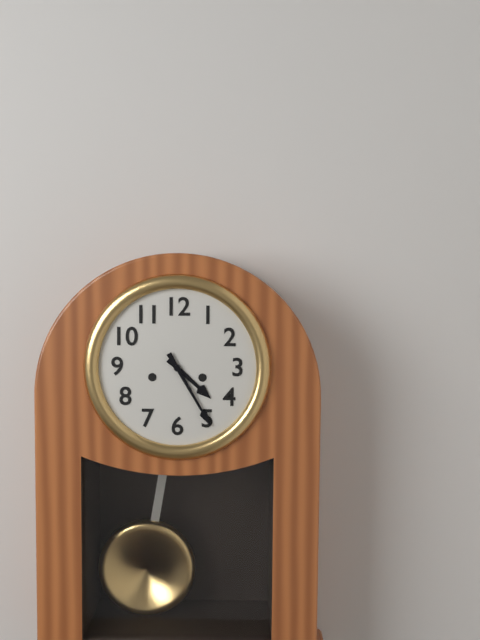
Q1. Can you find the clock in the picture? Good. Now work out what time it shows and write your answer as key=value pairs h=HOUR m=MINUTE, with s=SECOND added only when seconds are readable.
h=4 m=25
